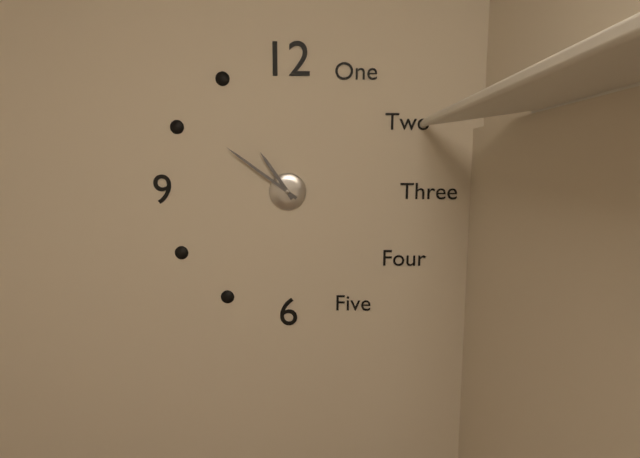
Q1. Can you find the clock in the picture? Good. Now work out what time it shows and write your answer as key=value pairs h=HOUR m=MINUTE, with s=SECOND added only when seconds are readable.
h=10 m=51
